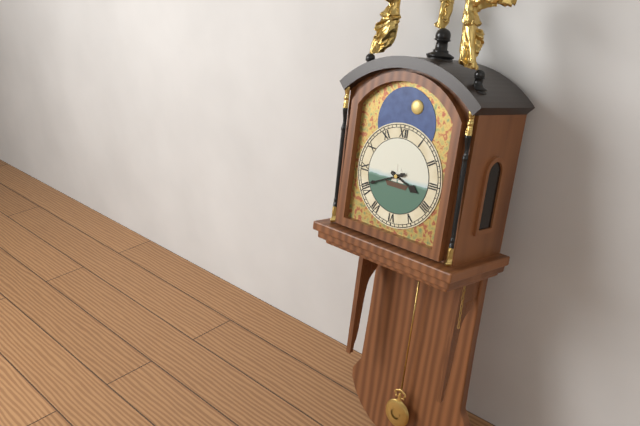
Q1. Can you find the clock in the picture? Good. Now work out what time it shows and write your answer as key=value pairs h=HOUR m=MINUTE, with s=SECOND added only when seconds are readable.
h=3 m=41
